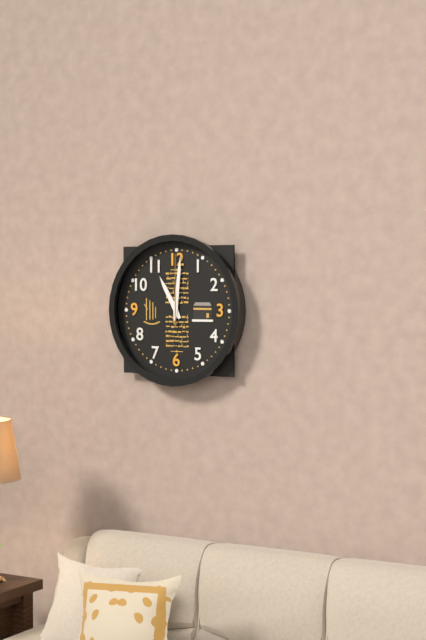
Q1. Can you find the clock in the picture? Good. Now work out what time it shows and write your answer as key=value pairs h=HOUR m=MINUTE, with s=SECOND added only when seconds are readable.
h=11 m=1 s=0
